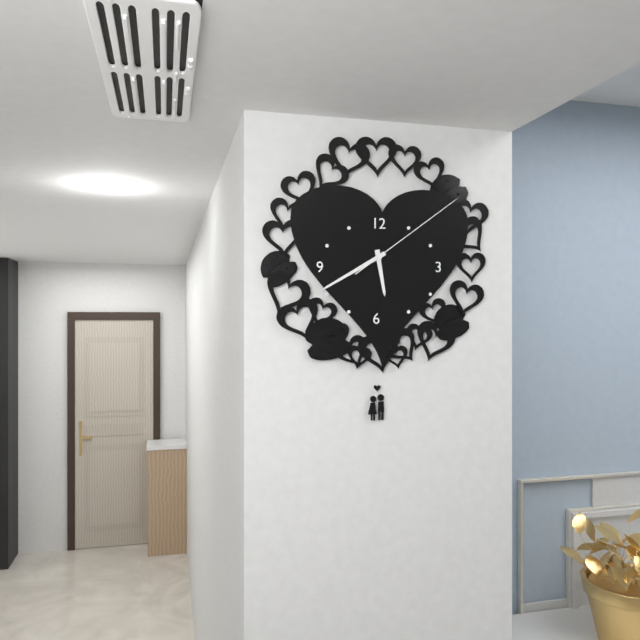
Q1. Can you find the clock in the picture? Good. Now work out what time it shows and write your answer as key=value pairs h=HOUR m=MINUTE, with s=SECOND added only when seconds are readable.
h=5 m=40 s=9
